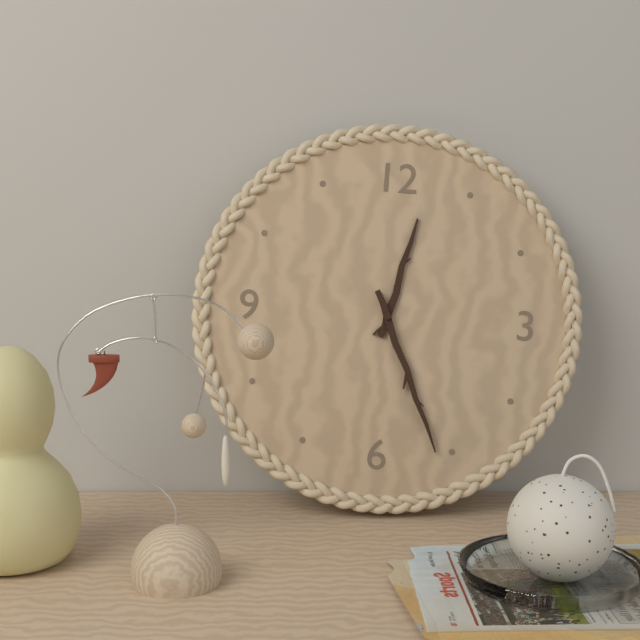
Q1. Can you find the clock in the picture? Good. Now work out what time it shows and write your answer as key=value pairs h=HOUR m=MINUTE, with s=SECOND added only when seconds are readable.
h=12 m=26
